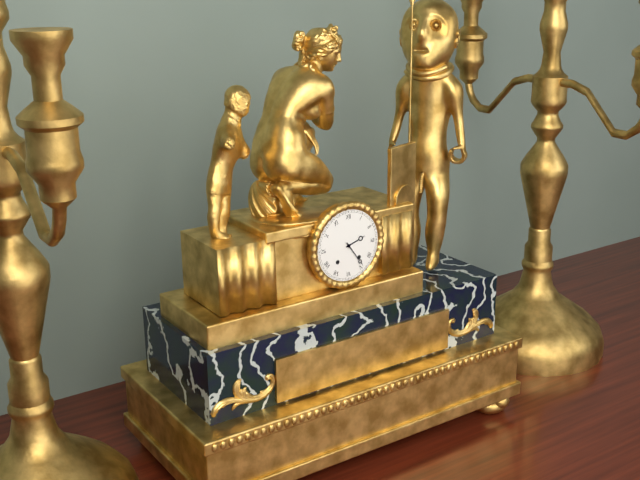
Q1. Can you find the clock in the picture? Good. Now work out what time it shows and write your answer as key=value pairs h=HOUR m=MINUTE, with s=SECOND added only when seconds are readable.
h=2 m=24
